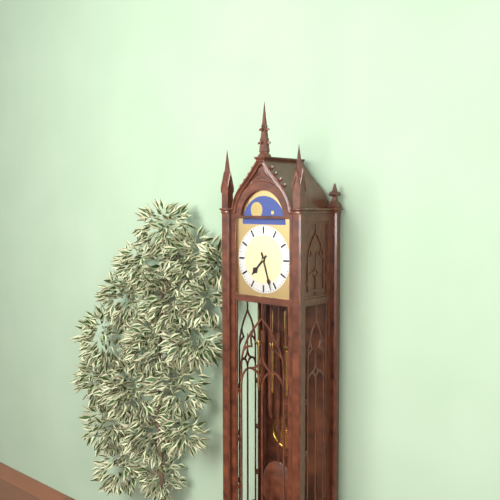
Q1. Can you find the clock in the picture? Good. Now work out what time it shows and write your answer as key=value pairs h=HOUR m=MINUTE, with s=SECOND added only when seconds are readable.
h=7 m=27
